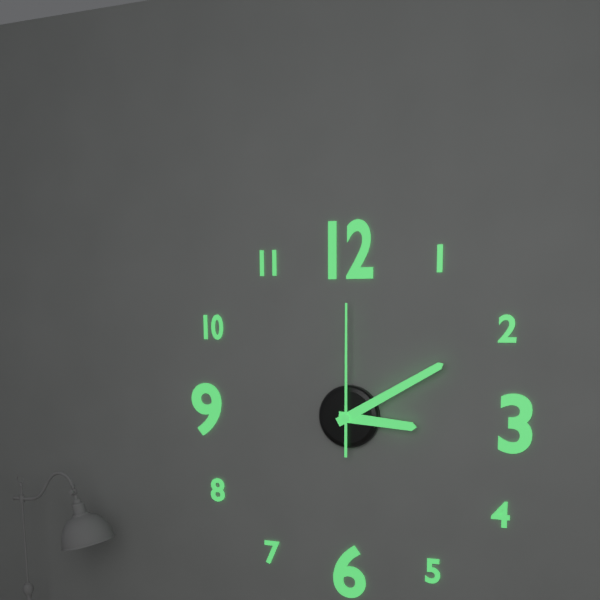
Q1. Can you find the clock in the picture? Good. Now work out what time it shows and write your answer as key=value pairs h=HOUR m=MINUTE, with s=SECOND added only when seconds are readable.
h=3 m=10 s=0
